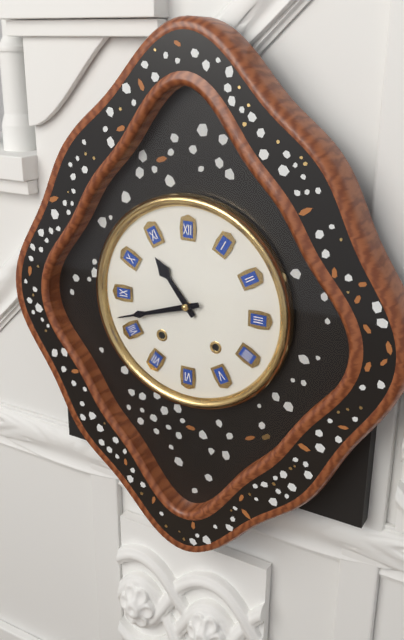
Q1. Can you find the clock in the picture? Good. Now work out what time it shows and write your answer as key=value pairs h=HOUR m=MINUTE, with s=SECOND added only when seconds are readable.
h=10 m=42
